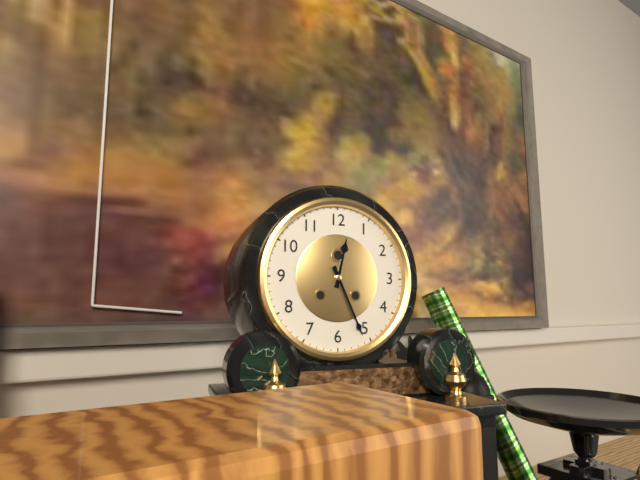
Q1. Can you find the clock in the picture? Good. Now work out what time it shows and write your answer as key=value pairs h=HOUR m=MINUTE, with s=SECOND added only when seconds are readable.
h=12 m=26
